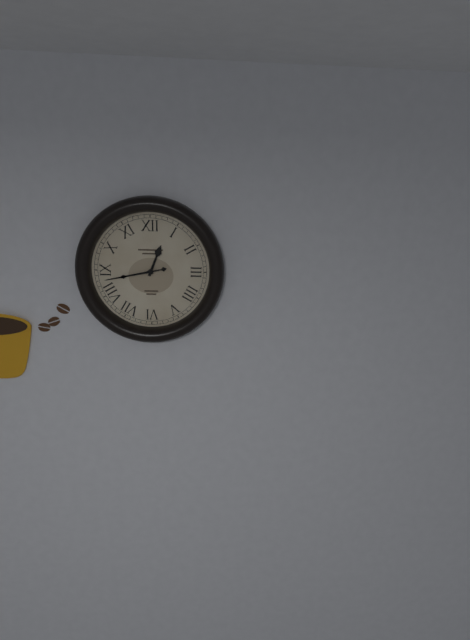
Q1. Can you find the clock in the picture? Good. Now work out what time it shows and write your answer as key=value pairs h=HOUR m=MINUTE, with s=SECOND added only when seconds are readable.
h=12 m=43
